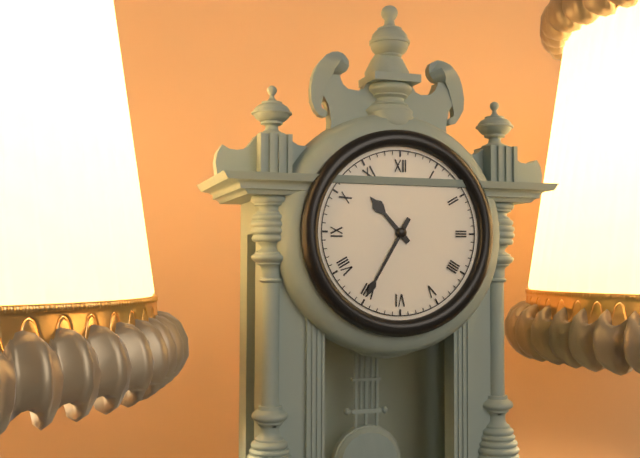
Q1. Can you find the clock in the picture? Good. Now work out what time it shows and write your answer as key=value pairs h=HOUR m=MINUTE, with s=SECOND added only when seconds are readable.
h=10 m=35
